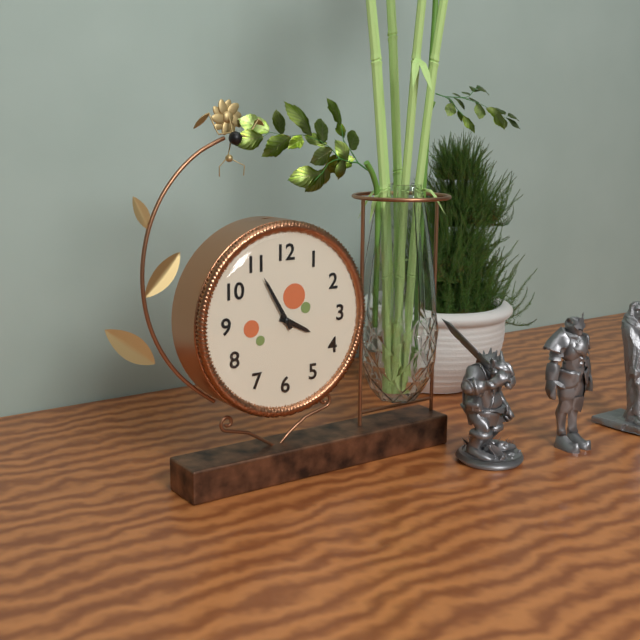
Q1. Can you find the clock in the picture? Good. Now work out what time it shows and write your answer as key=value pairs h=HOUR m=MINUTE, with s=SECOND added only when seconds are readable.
h=3 m=55
